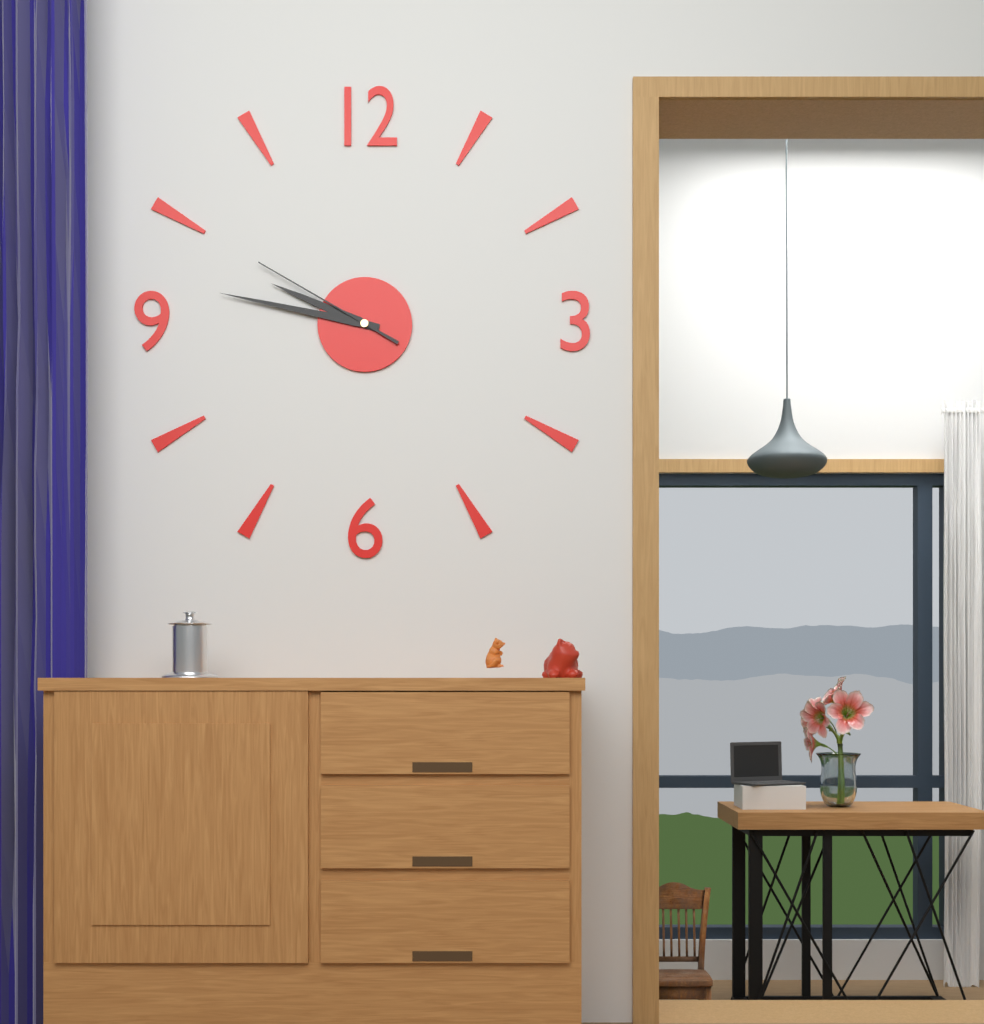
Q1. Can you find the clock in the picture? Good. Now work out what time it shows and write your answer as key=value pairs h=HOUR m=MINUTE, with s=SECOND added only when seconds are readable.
h=9 m=47 s=50
